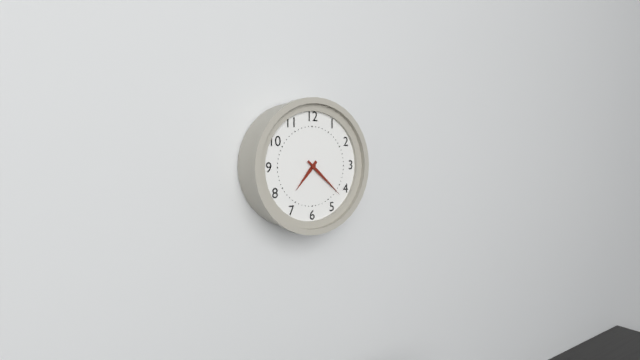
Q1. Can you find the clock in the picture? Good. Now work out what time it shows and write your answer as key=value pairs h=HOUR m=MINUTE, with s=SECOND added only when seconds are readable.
h=7 m=22
